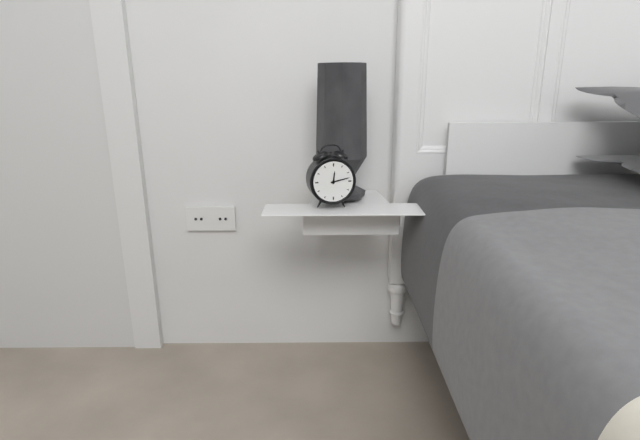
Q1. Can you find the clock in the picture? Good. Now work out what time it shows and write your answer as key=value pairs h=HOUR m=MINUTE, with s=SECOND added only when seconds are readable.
h=12 m=13
